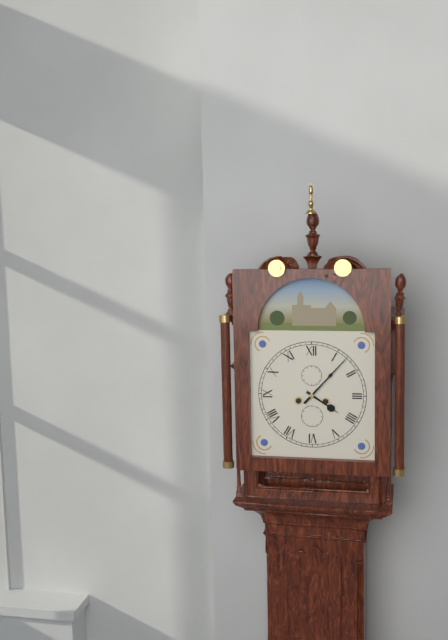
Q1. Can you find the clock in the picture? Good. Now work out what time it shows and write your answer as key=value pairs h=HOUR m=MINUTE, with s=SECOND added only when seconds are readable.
h=4 m=7
